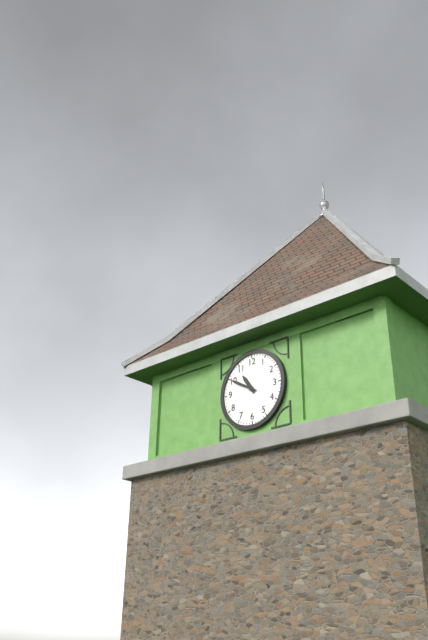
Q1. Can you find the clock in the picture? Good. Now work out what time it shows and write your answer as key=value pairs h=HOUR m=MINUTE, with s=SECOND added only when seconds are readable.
h=10 m=50
